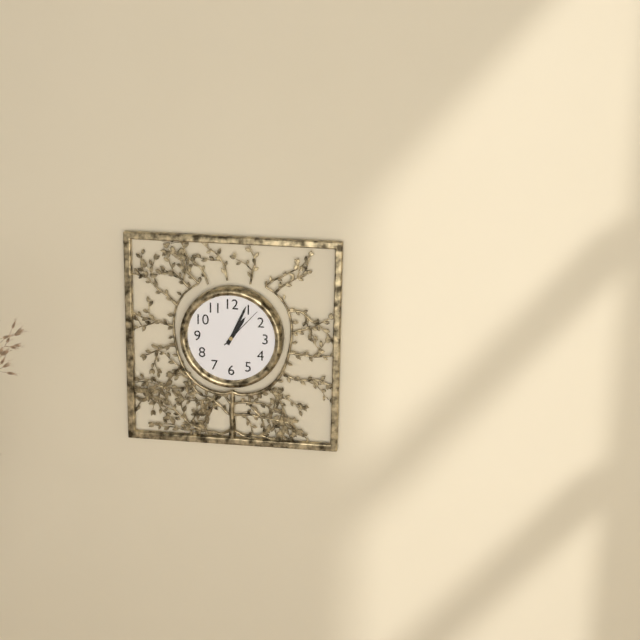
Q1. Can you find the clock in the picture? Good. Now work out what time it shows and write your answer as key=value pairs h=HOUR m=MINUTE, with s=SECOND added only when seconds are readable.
h=1 m=4
